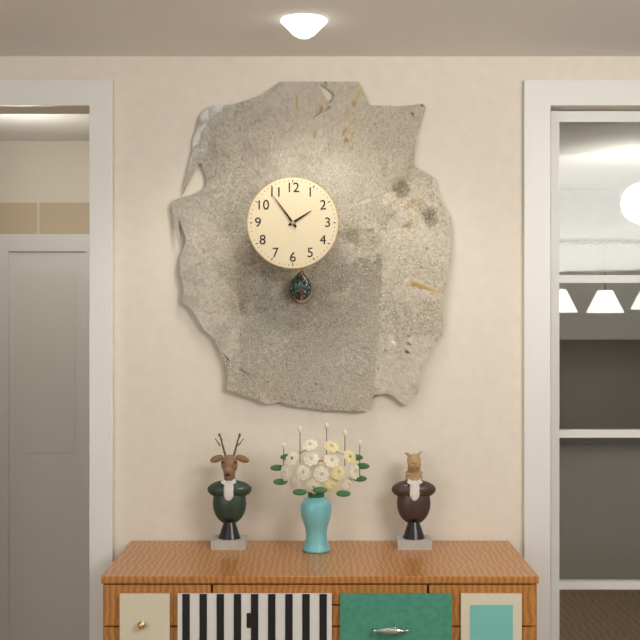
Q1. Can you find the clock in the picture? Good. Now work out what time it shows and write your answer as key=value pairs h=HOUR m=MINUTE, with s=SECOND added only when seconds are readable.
h=1 m=54
